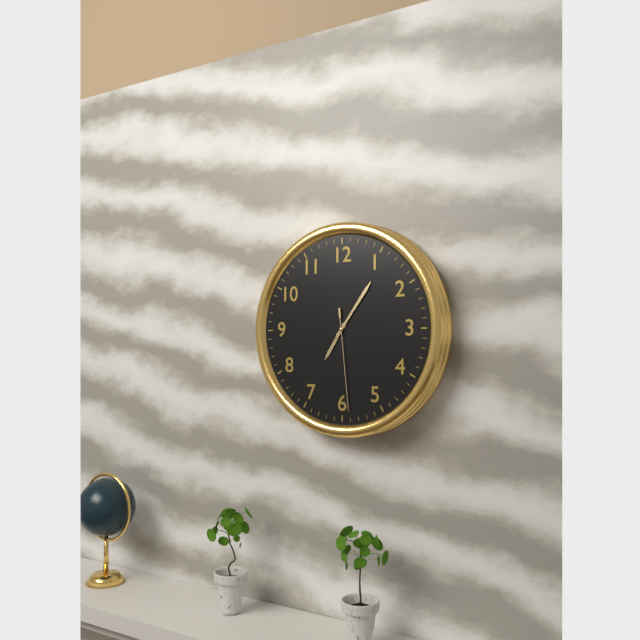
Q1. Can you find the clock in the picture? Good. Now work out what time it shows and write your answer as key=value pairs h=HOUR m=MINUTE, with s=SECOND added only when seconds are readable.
h=7 m=6 s=29
